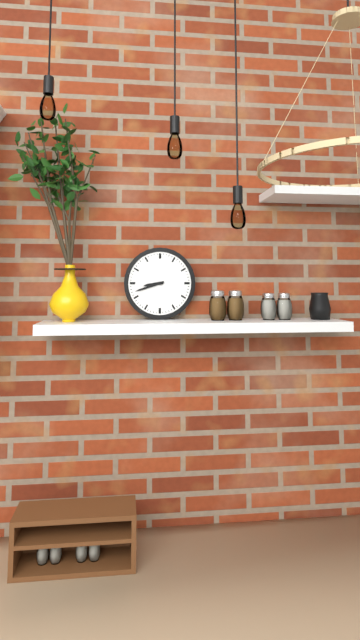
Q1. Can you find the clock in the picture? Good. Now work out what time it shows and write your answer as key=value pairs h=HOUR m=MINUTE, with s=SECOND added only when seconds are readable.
h=8 m=42
